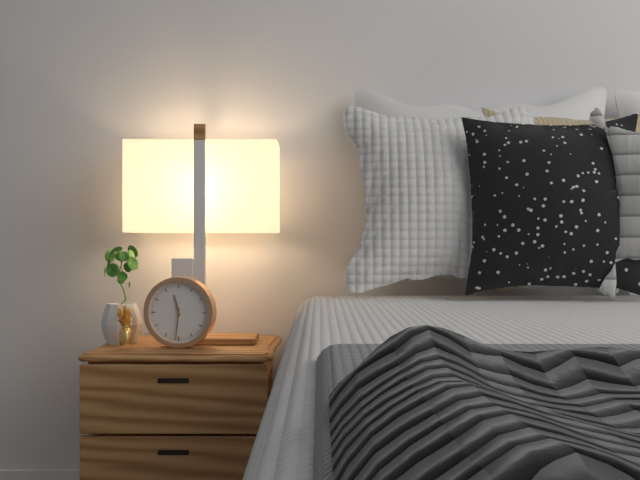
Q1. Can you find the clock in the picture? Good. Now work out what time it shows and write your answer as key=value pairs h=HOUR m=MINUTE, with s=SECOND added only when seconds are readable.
h=11 m=31
